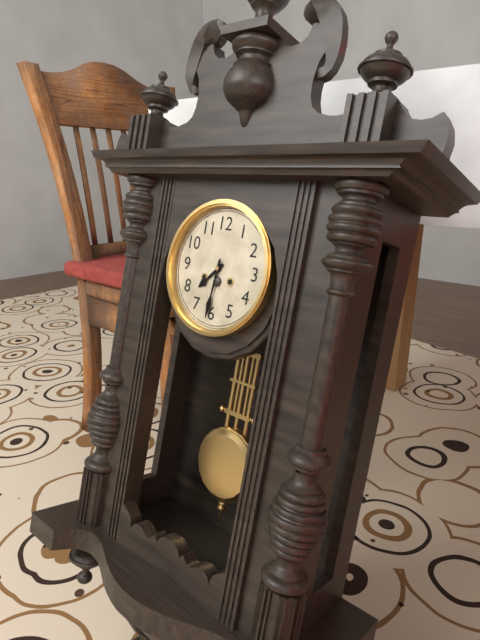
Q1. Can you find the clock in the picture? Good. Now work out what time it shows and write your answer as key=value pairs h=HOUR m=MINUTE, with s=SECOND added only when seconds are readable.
h=7 m=31
